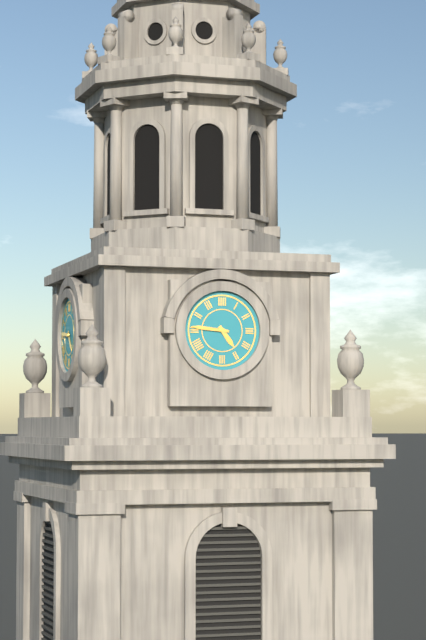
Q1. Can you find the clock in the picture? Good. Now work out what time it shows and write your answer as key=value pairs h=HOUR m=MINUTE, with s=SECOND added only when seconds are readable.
h=4 m=46
